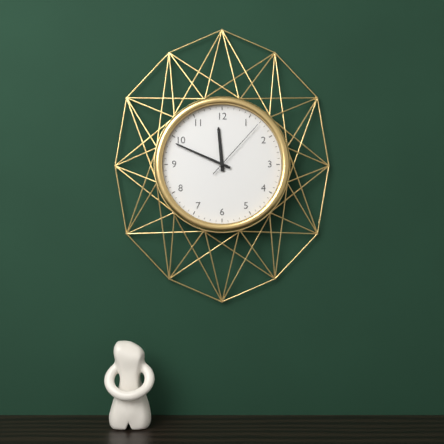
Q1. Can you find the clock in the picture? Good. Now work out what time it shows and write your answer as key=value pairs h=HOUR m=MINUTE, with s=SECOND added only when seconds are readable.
h=11 m=49 s=7
